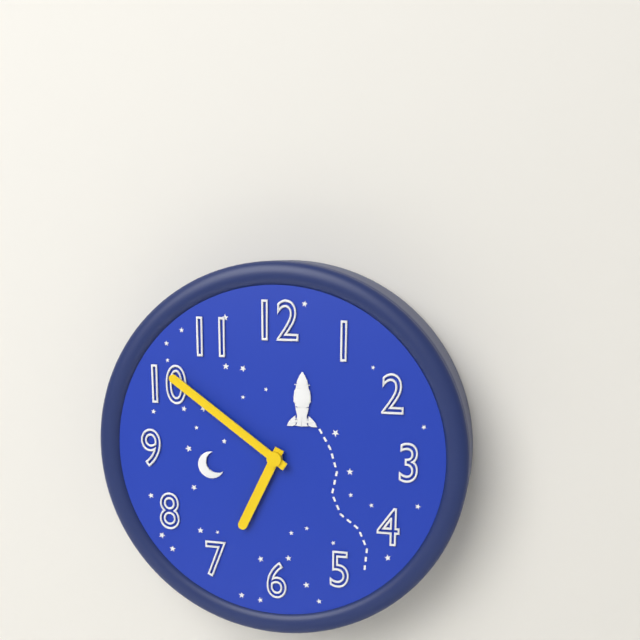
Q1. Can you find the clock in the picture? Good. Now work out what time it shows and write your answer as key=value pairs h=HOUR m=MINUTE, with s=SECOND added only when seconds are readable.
h=6 m=51
